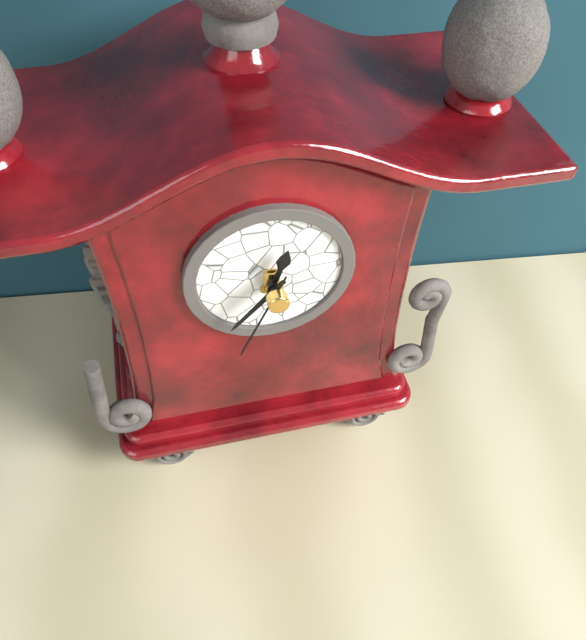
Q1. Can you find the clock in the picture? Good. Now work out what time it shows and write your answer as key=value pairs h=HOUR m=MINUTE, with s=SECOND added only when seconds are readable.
h=12 m=37 s=34
